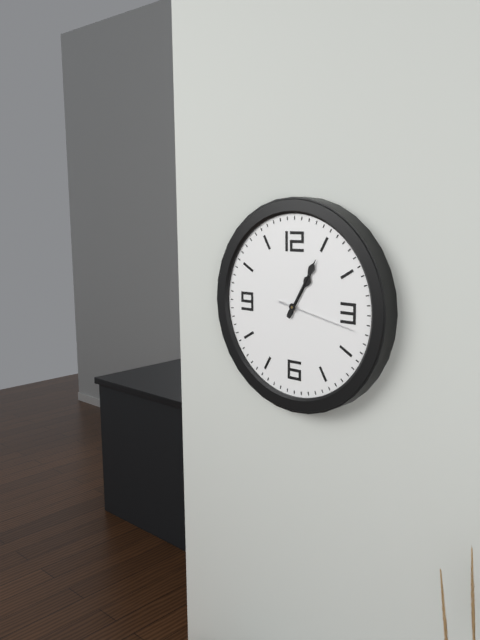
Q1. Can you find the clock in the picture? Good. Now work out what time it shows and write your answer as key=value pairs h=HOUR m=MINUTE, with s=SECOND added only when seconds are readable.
h=1 m=5 s=17
